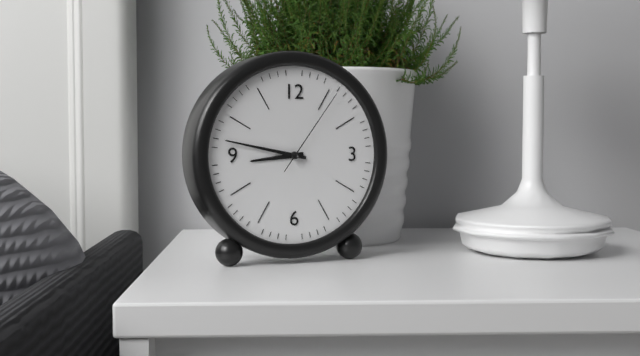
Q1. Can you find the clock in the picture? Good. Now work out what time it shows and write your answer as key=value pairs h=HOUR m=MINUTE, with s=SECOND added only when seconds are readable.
h=8 m=47 s=6
